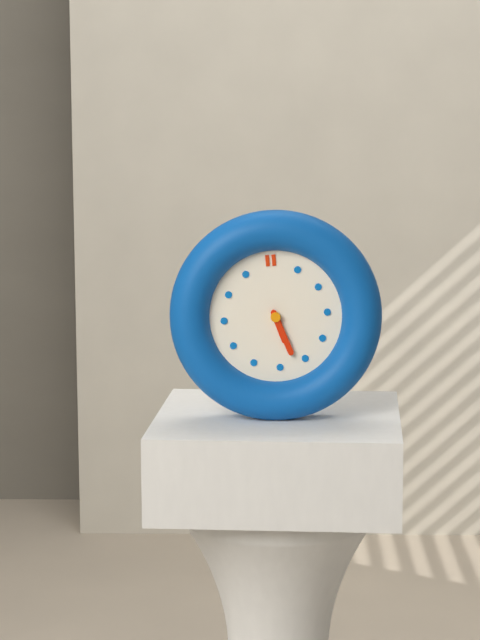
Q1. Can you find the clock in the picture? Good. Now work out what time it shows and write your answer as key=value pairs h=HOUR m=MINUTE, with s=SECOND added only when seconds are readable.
h=5 m=27
